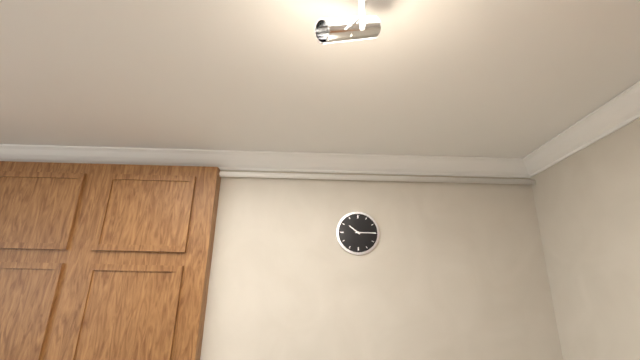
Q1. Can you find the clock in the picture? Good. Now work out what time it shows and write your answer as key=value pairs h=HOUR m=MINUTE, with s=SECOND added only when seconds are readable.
h=10 m=15
